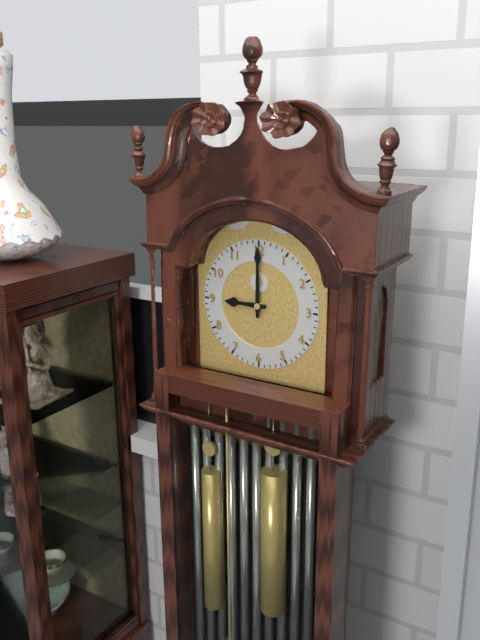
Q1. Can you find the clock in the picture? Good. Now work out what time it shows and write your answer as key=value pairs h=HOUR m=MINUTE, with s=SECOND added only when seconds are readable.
h=9 m=0
